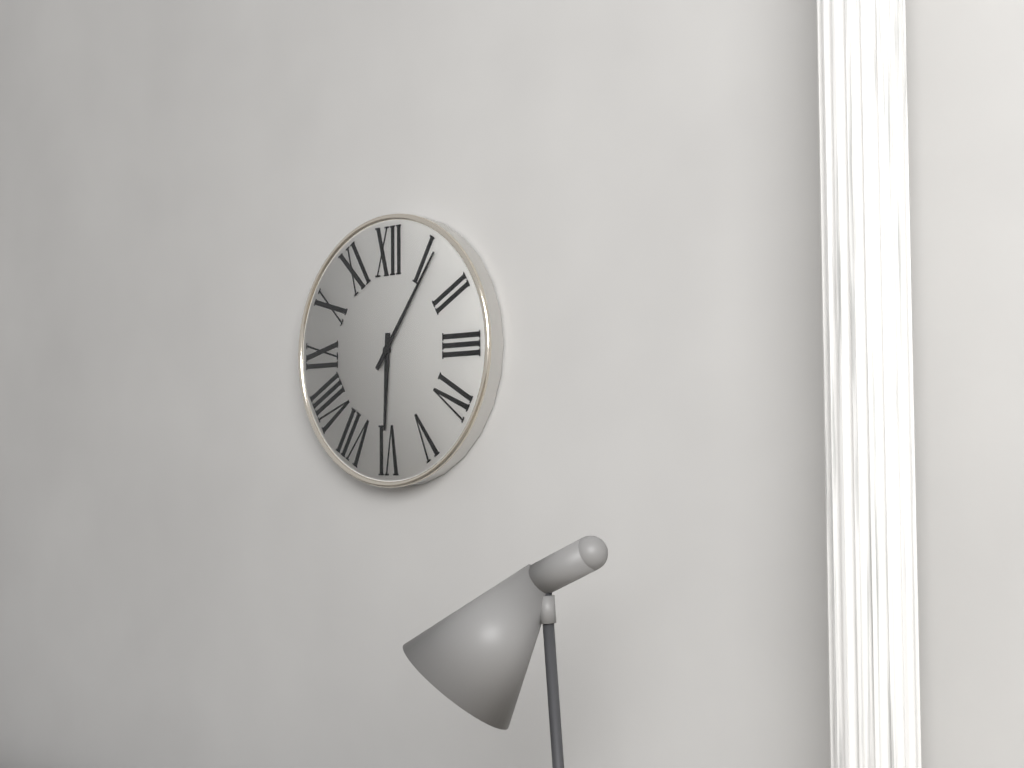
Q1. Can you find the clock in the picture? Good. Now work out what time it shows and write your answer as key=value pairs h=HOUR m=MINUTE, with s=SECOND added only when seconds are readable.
h=6 m=6
